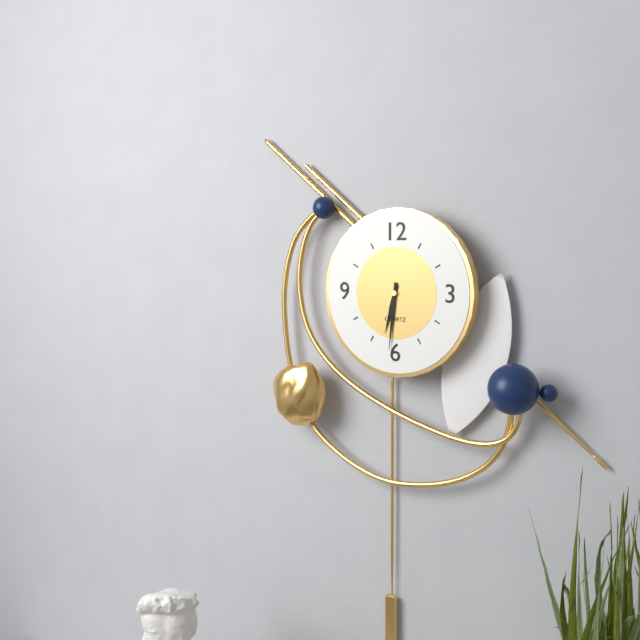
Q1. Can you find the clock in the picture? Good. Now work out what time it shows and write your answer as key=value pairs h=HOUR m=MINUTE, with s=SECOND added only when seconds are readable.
h=6 m=31
